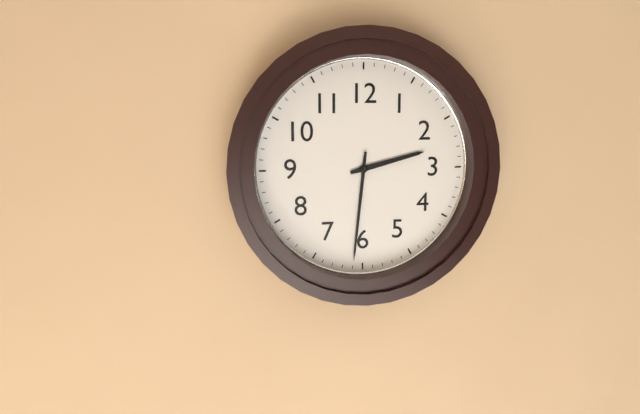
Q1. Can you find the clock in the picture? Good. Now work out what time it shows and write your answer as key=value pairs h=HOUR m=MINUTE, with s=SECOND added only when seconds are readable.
h=2 m=31
